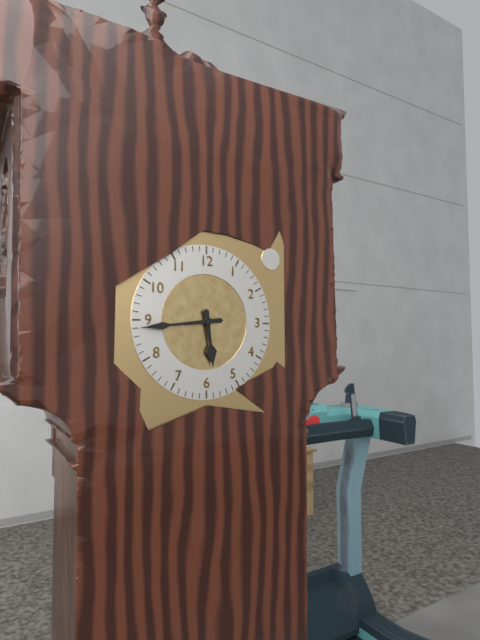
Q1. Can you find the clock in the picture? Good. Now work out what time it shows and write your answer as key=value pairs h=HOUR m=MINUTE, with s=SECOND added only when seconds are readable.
h=5 m=44
